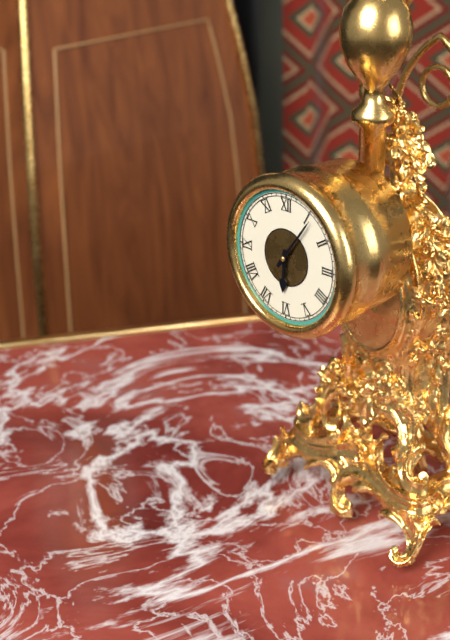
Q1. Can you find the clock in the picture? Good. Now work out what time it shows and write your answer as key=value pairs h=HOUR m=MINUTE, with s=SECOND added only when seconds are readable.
h=6 m=6
